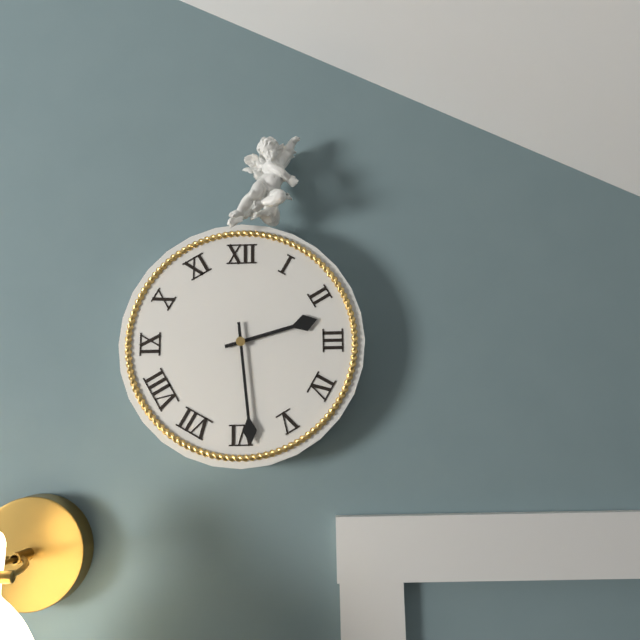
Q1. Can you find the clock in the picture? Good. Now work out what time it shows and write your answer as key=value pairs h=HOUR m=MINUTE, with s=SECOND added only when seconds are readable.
h=2 m=29
